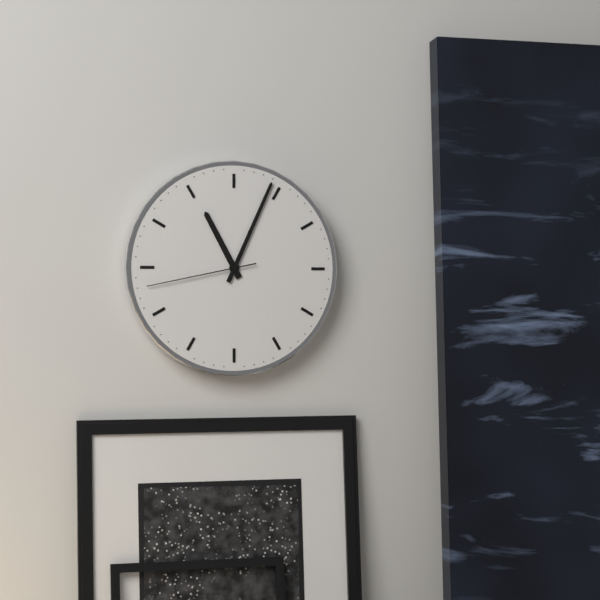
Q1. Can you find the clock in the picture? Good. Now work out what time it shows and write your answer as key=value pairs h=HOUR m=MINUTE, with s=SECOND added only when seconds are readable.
h=11 m=4 s=43
